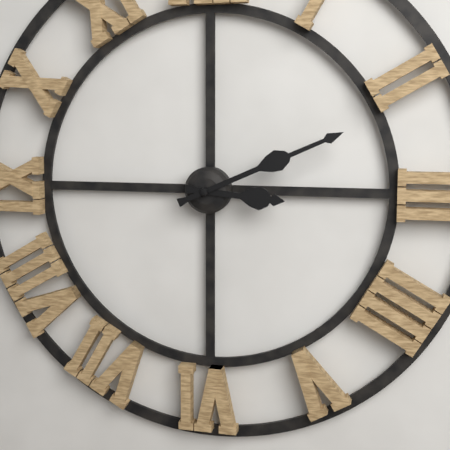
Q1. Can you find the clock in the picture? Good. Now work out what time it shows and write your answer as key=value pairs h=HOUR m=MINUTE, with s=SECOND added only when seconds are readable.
h=3 m=11
